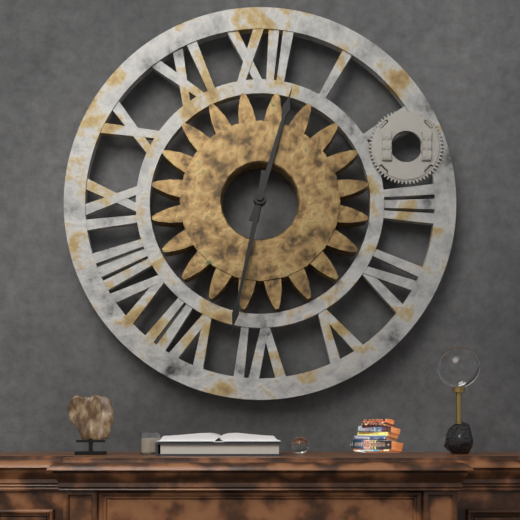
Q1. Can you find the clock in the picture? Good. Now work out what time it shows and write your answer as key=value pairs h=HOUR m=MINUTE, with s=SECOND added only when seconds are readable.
h=12 m=32
